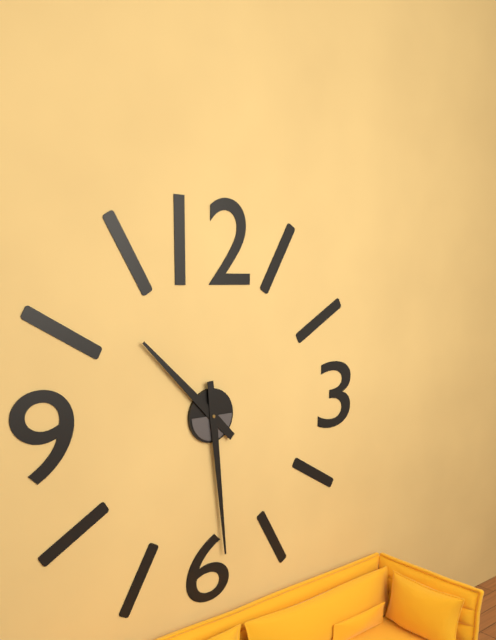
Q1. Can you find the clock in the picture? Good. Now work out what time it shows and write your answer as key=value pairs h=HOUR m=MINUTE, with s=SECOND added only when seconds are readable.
h=10 m=29
